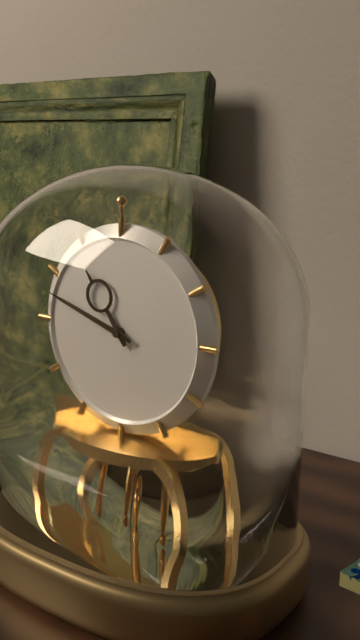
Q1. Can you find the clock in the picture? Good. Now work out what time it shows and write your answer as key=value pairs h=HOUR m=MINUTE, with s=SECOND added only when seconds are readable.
h=10 m=48
